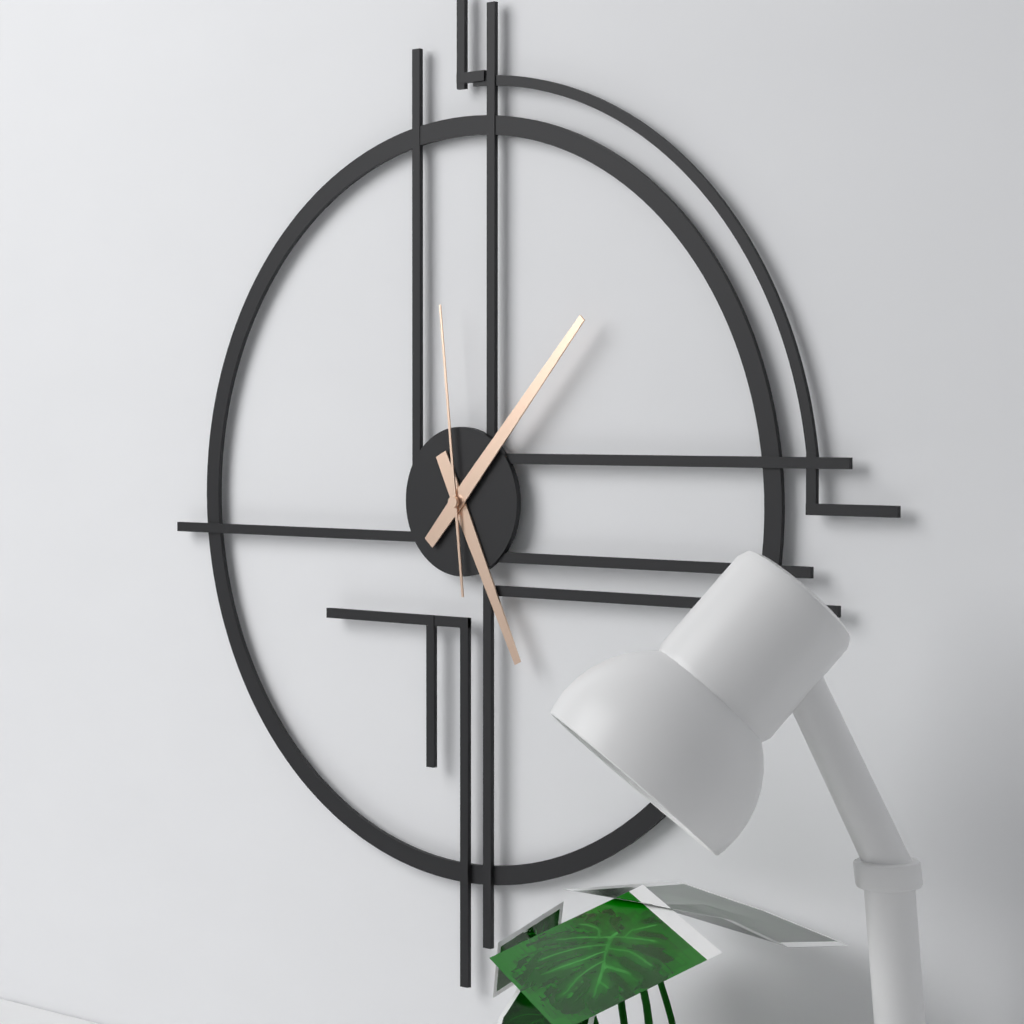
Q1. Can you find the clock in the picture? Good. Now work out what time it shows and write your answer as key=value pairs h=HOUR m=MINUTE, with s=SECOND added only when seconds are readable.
h=5 m=7 s=59
